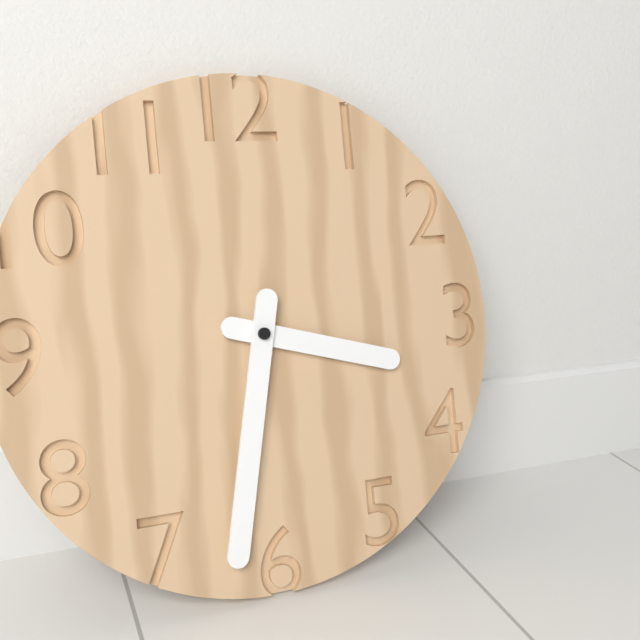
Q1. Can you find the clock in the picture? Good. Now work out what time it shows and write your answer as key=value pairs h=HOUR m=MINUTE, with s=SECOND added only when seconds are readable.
h=3 m=32
